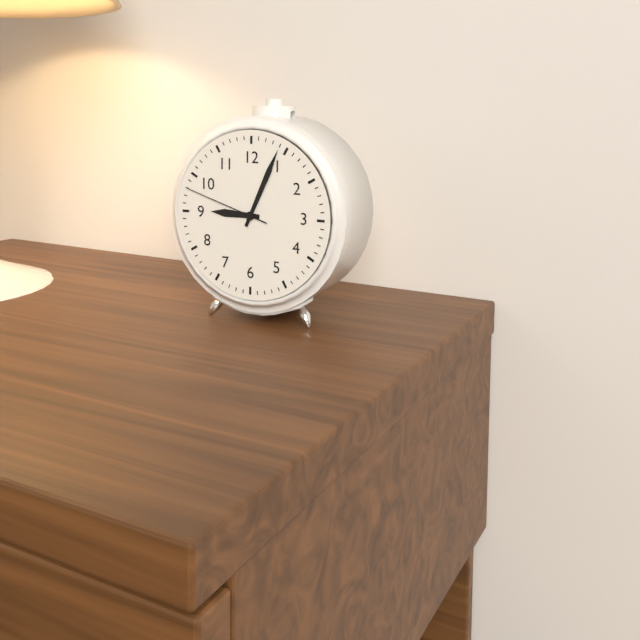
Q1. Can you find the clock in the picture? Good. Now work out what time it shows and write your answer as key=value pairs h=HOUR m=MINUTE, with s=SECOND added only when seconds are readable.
h=9 m=4 s=48
